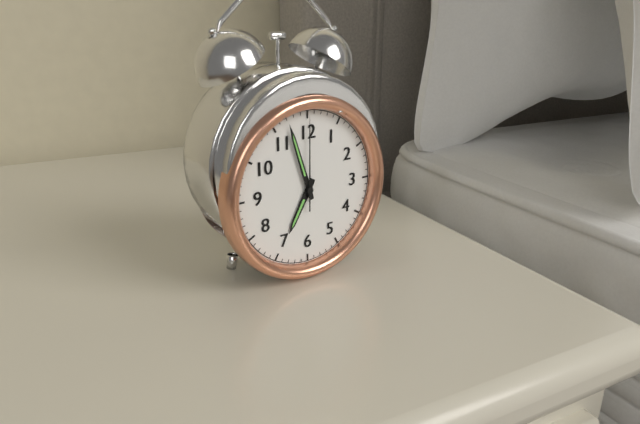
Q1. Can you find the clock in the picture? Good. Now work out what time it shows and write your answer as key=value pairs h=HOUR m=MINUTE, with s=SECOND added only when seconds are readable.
h=6 m=57 s=0
